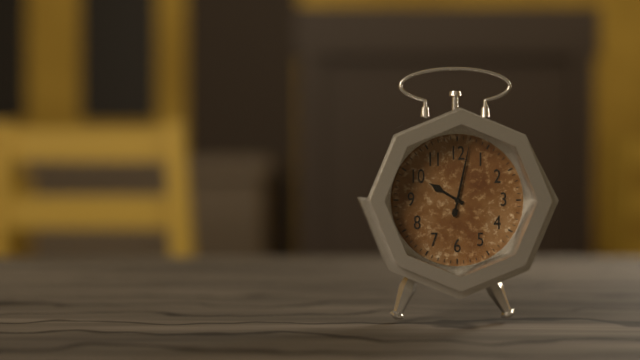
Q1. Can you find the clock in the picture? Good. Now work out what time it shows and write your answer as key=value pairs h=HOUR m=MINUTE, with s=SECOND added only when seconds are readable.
h=10 m=2
